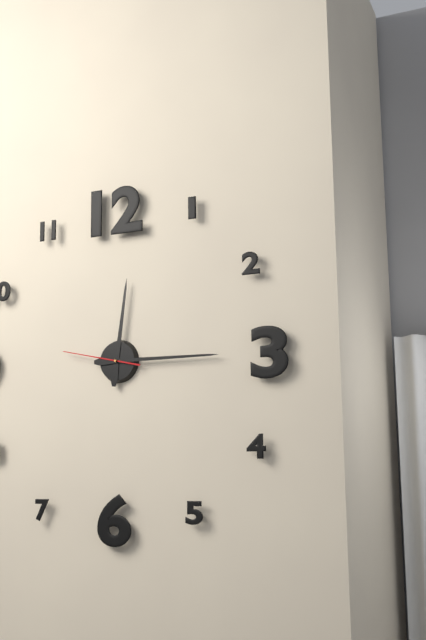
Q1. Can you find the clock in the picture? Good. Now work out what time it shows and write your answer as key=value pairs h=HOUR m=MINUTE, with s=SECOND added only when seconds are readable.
h=12 m=15 s=47
